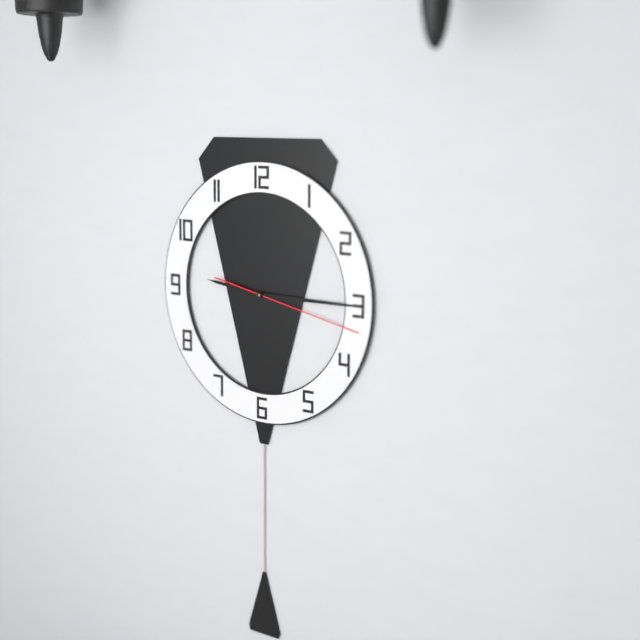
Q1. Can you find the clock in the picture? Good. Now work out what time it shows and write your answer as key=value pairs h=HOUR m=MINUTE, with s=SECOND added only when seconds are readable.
h=9 m=15 s=17
